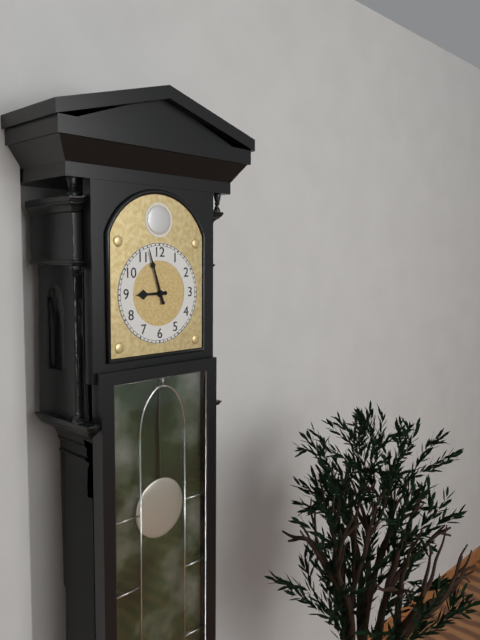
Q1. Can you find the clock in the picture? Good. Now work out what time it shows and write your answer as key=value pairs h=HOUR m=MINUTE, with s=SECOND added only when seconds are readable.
h=8 m=57
